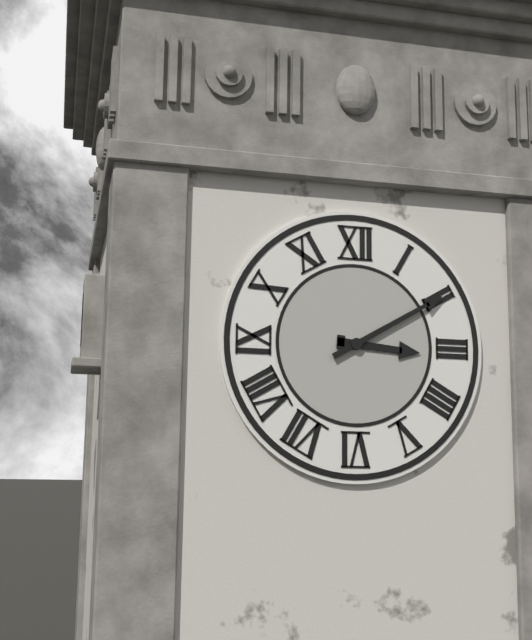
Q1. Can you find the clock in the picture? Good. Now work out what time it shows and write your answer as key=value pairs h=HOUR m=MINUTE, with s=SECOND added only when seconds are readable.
h=3 m=10
